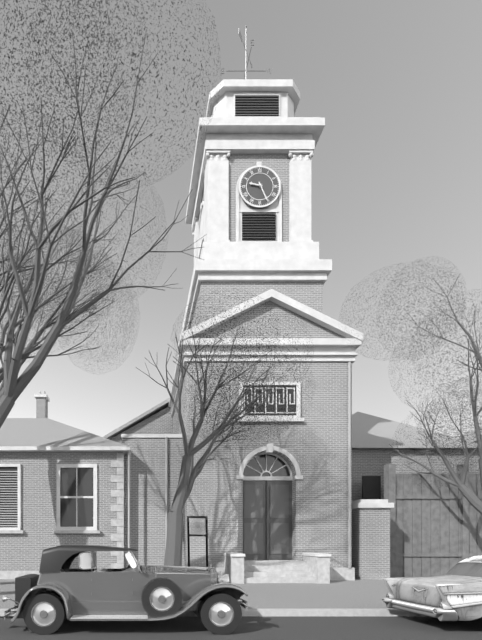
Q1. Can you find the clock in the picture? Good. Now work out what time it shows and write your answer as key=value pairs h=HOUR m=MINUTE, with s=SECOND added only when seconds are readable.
h=9 m=26
